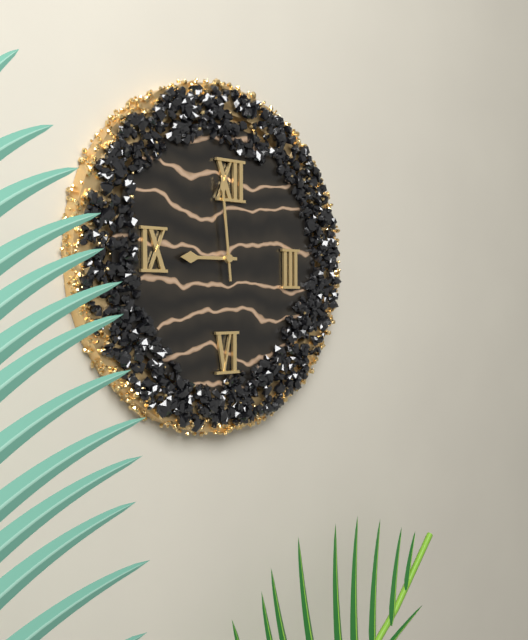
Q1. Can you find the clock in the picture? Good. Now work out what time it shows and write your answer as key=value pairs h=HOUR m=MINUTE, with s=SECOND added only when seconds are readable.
h=8 m=59
